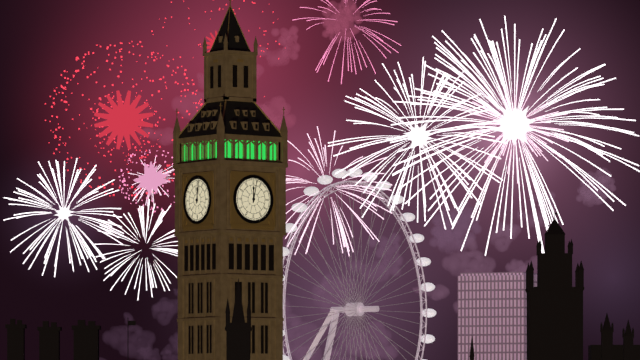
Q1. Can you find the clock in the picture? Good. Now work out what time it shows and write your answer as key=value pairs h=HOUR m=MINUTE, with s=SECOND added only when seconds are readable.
h=12 m=2
